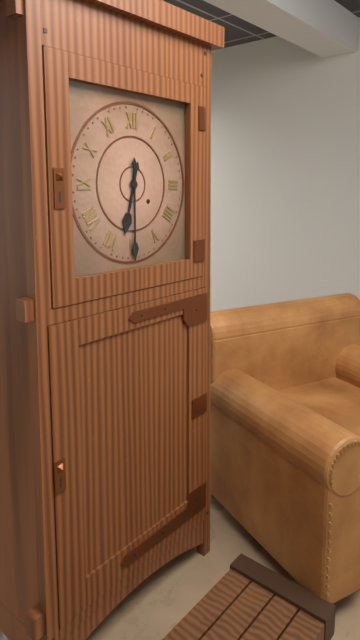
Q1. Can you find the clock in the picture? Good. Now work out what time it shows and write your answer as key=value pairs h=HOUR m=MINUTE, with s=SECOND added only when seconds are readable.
h=6 m=30
